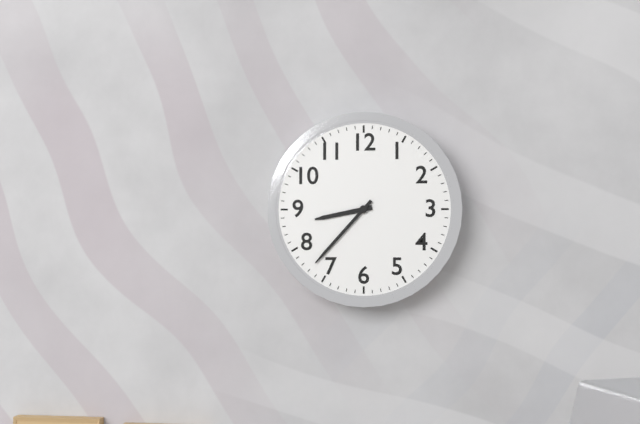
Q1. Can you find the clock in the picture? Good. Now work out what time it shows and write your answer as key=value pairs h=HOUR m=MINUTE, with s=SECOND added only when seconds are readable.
h=8 m=37
